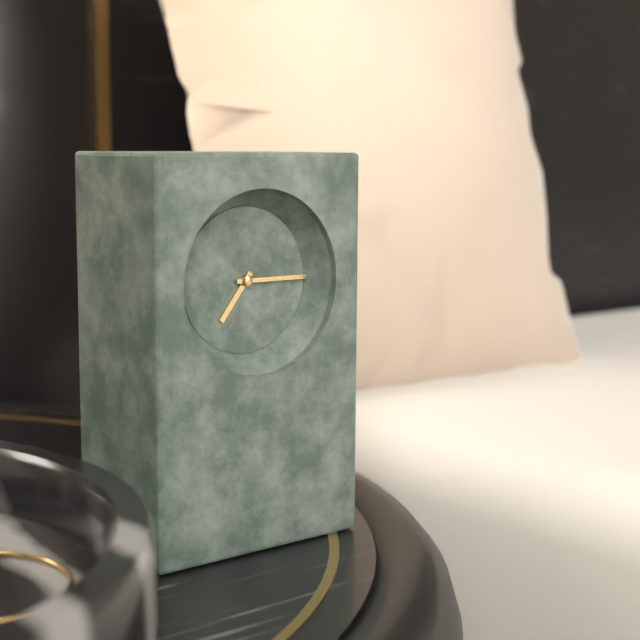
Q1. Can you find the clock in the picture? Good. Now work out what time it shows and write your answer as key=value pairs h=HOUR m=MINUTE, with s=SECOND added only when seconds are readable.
h=7 m=15
